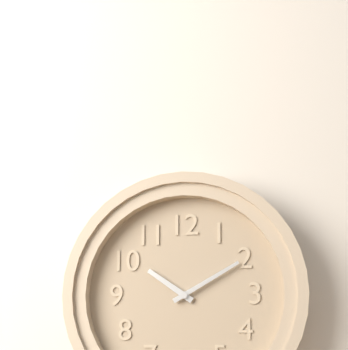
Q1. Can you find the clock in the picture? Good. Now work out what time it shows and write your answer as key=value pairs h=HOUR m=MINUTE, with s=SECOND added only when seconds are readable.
h=10 m=10
